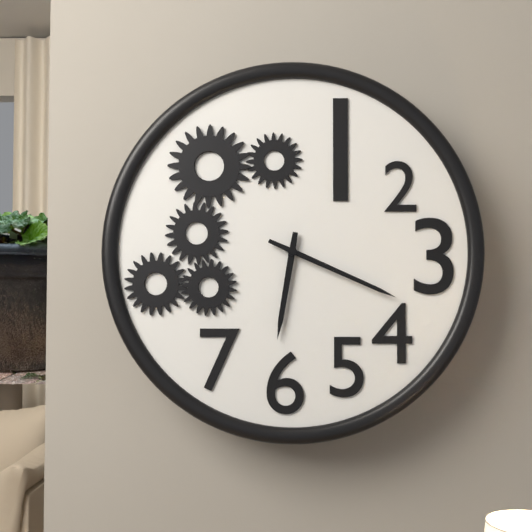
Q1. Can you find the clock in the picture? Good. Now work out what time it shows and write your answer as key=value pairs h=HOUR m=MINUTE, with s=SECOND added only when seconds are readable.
h=6 m=19
